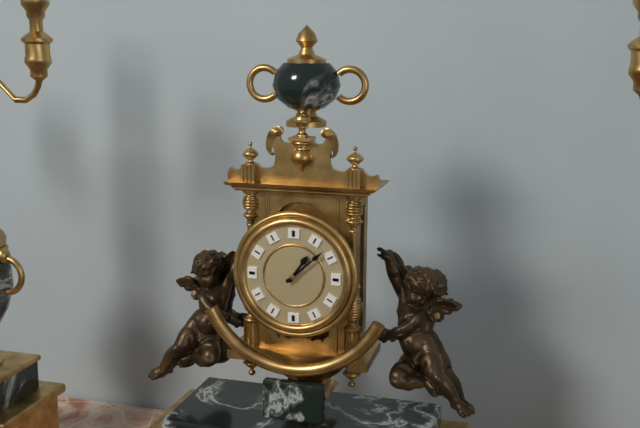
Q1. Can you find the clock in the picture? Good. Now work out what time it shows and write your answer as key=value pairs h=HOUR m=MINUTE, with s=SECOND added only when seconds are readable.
h=1 m=8
